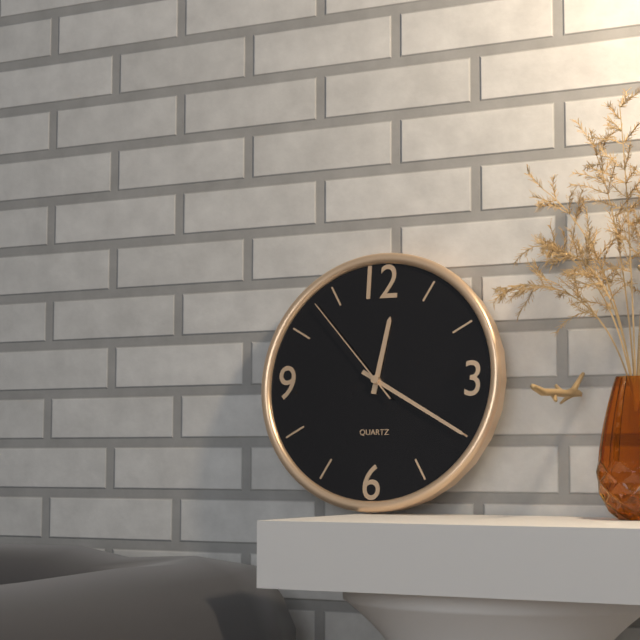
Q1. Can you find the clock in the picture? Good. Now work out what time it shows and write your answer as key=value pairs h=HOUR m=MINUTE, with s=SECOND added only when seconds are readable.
h=12 m=20 s=53
